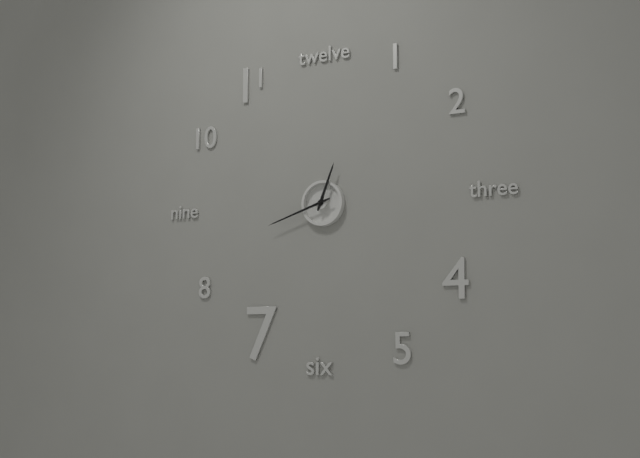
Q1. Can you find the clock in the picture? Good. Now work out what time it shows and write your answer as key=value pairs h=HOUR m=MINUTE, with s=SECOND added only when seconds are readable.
h=12 m=42
